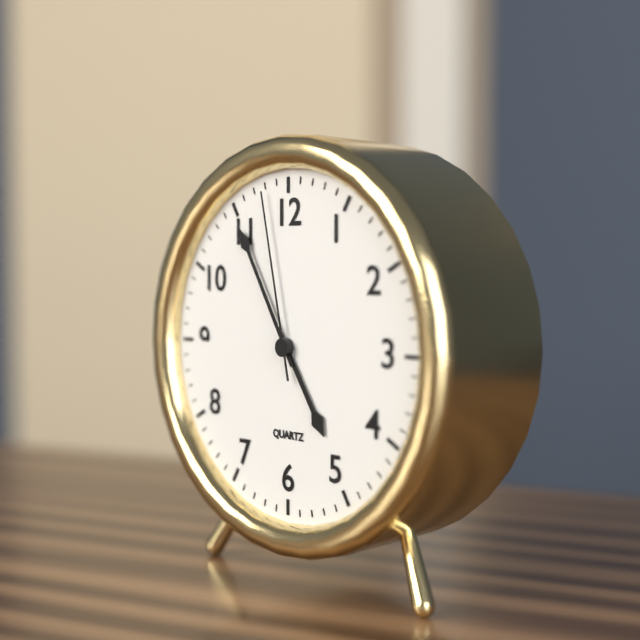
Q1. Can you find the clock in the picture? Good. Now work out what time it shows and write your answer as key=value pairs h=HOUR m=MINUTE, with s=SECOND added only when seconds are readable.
h=4 m=55 s=58
